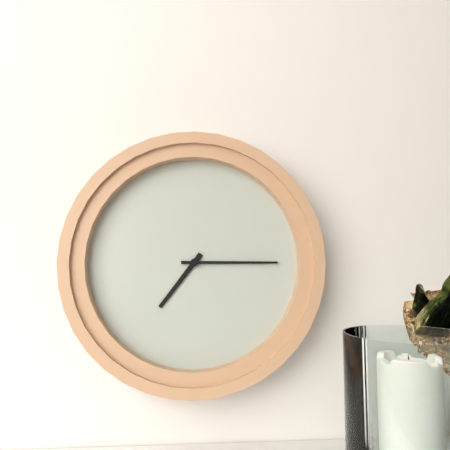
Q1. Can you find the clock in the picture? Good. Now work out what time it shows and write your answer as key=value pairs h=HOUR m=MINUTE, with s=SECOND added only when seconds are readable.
h=7 m=15
